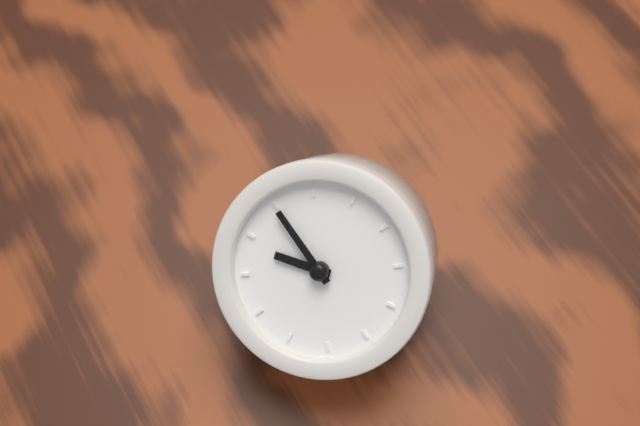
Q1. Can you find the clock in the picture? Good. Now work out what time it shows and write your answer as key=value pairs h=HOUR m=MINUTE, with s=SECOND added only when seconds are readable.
h=7 m=45
